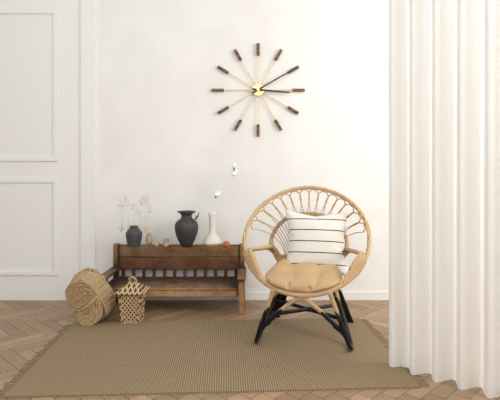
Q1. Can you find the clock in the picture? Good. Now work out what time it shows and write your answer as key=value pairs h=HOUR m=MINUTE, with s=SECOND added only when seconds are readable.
h=3 m=10
